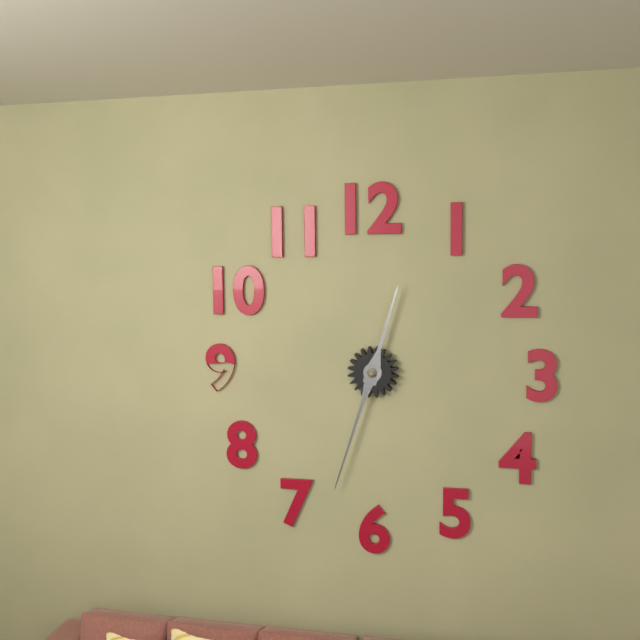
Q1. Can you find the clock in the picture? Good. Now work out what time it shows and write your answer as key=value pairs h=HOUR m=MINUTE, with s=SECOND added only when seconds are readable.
h=12 m=33
